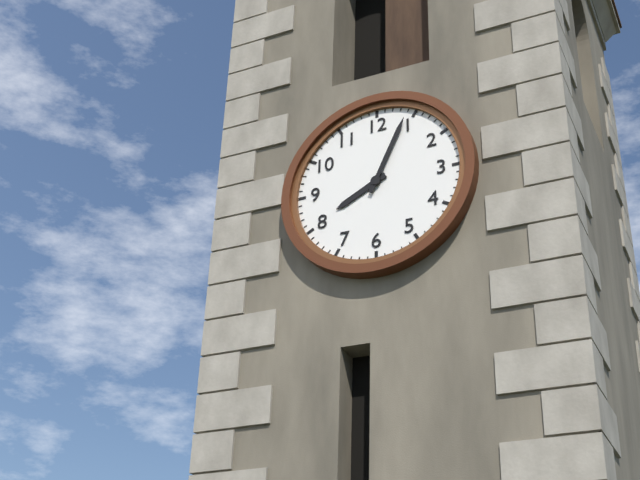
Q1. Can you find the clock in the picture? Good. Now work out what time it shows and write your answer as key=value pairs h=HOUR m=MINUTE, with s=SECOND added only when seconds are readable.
h=8 m=4
